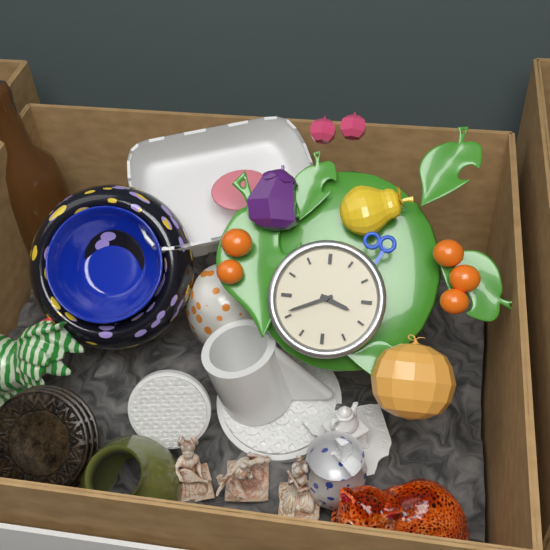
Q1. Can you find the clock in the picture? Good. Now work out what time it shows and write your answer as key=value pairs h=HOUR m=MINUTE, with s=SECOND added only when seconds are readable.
h=3 m=41
